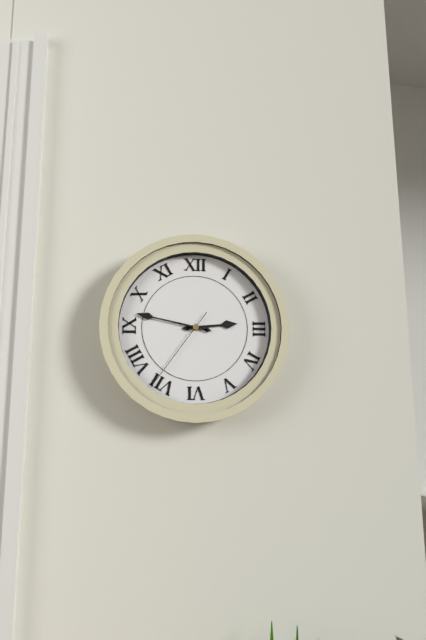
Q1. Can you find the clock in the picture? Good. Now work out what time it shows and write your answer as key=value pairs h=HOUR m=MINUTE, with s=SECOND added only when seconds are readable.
h=2 m=47 s=36
